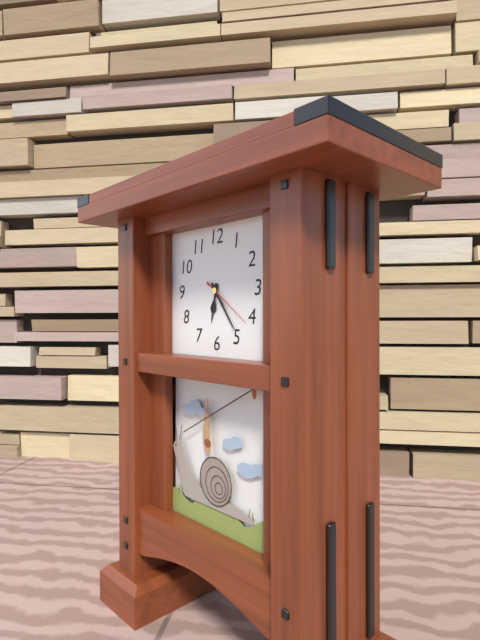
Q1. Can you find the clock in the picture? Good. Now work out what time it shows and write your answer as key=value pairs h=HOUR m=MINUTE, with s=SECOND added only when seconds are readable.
h=6 m=24 s=21
